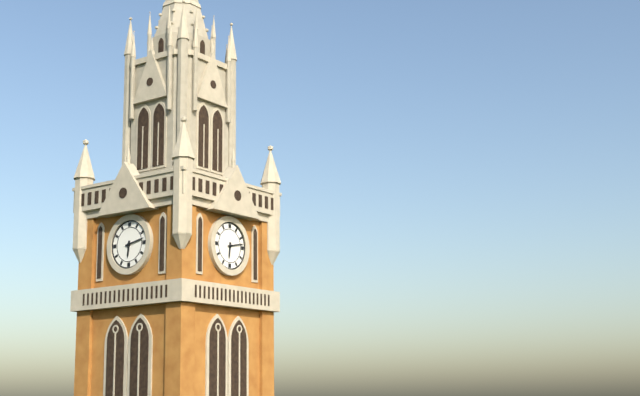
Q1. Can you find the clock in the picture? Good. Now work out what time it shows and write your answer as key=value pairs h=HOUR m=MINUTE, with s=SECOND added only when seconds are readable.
h=6 m=13
